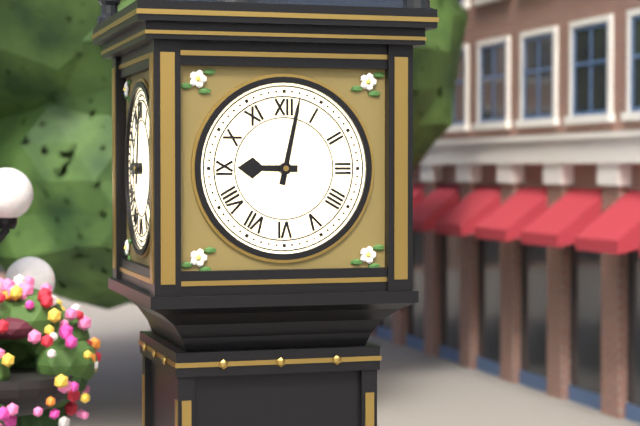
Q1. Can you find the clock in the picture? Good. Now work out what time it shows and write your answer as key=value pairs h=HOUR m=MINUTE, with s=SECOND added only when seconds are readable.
h=9 m=2
